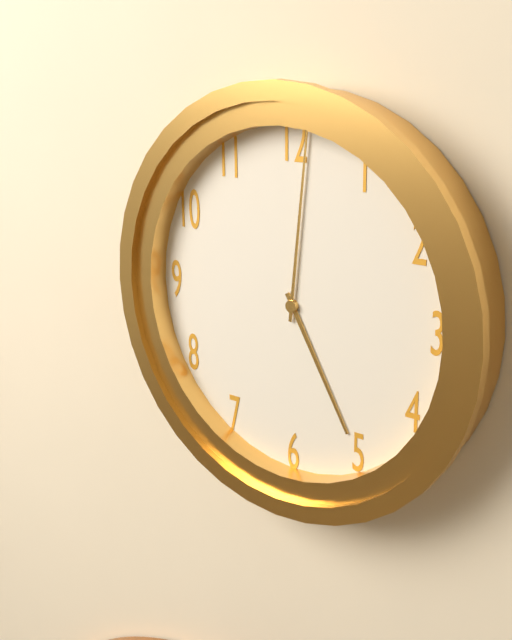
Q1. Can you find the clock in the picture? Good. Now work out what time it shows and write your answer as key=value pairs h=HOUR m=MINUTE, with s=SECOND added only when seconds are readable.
h=5 m=1
